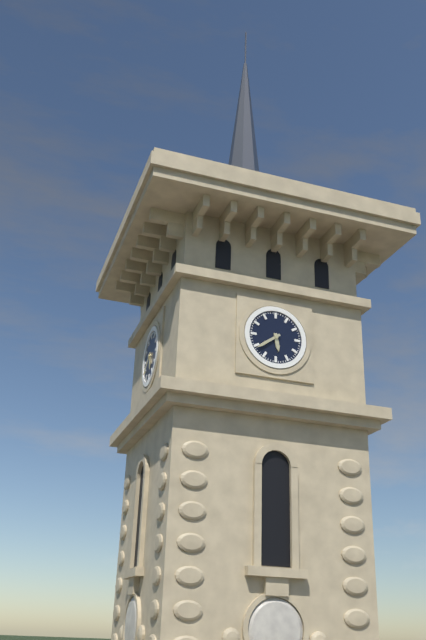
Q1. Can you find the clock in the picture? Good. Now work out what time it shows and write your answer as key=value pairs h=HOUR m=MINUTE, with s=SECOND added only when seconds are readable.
h=5 m=39
